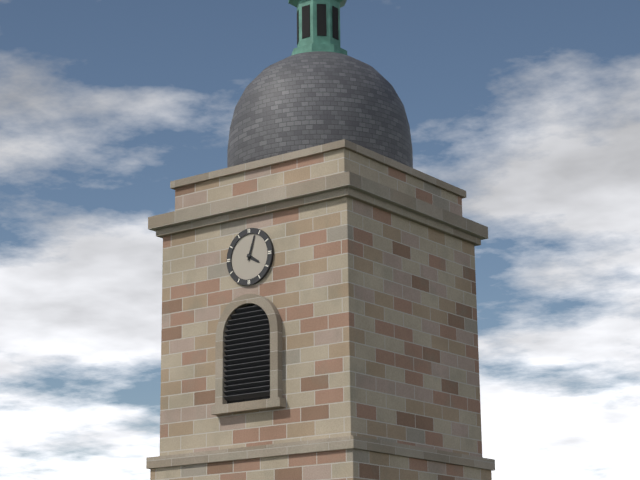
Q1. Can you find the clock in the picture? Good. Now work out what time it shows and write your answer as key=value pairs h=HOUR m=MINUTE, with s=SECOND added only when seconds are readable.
h=4 m=3
